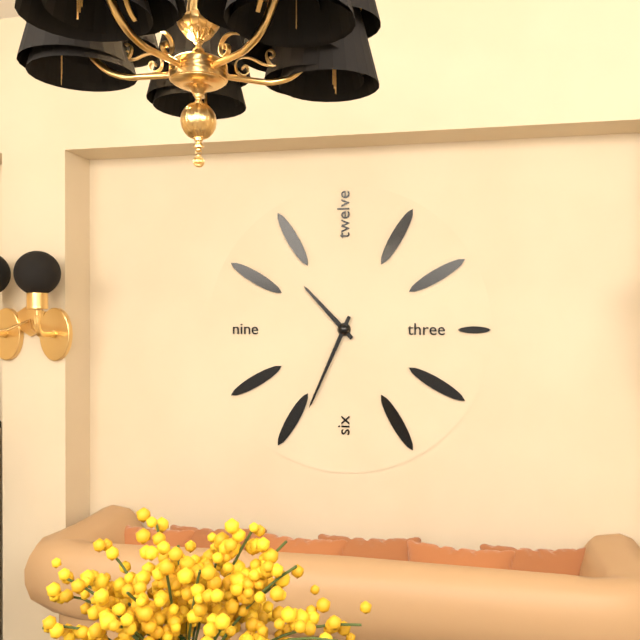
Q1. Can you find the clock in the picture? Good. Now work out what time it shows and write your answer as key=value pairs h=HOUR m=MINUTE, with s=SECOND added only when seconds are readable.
h=10 m=34
